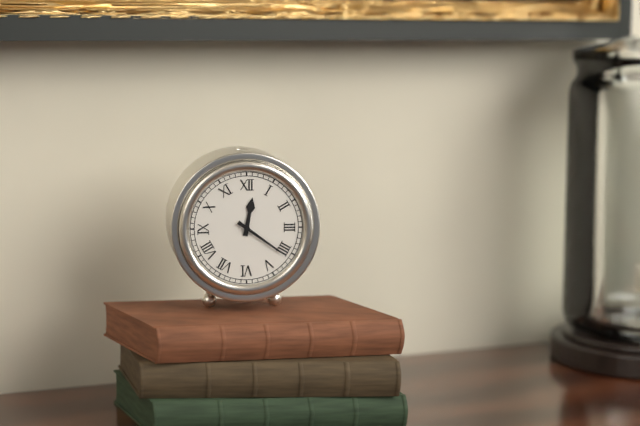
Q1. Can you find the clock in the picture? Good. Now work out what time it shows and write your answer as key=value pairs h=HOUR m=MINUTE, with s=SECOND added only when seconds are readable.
h=12 m=21
